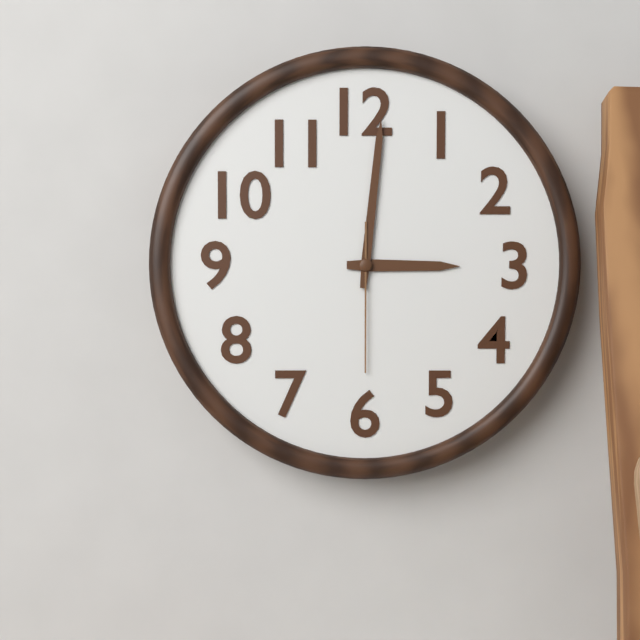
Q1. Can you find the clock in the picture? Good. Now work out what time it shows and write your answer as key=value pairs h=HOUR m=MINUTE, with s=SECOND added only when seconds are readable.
h=3 m=1 s=30
